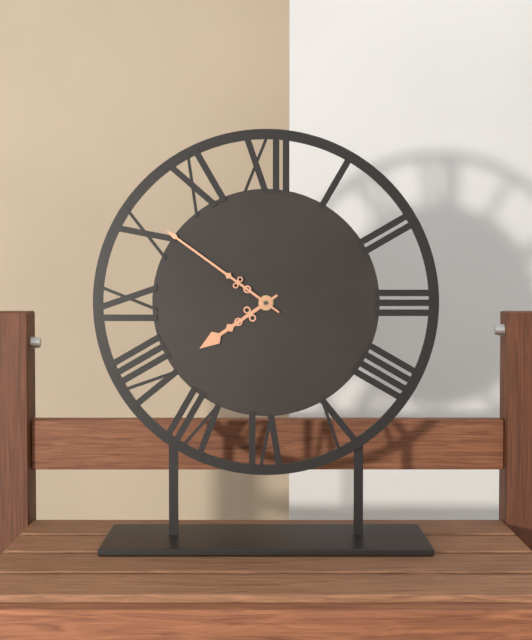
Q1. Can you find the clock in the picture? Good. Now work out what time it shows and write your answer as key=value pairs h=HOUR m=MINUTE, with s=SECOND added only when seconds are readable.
h=7 m=51
